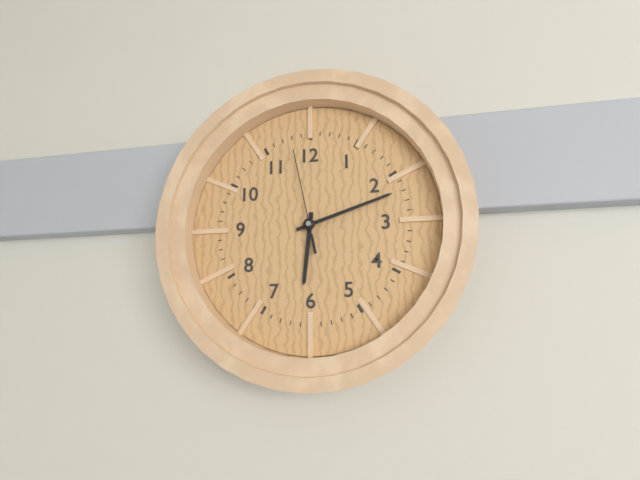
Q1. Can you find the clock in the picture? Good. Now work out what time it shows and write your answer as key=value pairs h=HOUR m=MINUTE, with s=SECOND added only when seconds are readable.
h=6 m=12 s=58
